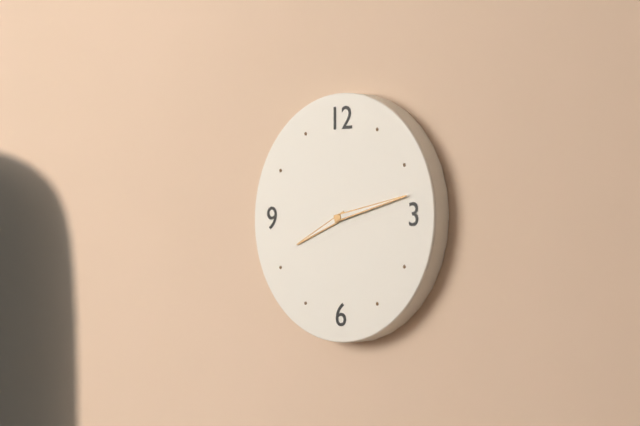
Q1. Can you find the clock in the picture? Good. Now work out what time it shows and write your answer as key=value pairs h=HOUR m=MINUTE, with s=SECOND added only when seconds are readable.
h=8 m=13
